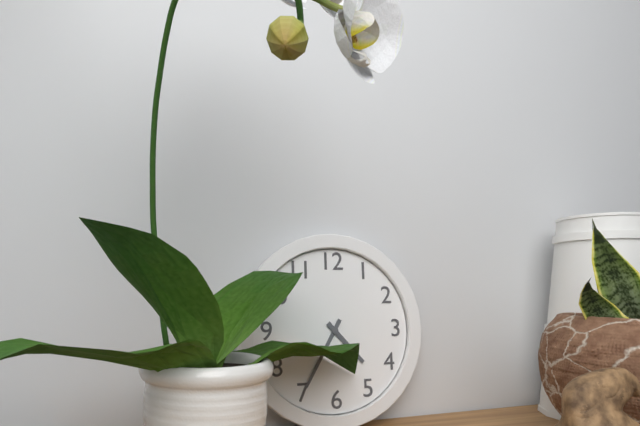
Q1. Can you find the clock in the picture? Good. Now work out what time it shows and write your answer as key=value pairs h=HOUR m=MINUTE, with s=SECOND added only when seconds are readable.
h=4 m=35
